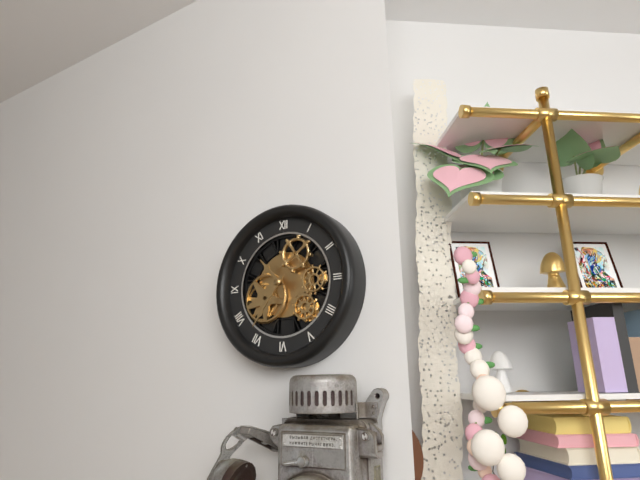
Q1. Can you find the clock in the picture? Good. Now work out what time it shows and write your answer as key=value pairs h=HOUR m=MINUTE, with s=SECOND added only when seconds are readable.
h=10 m=36
